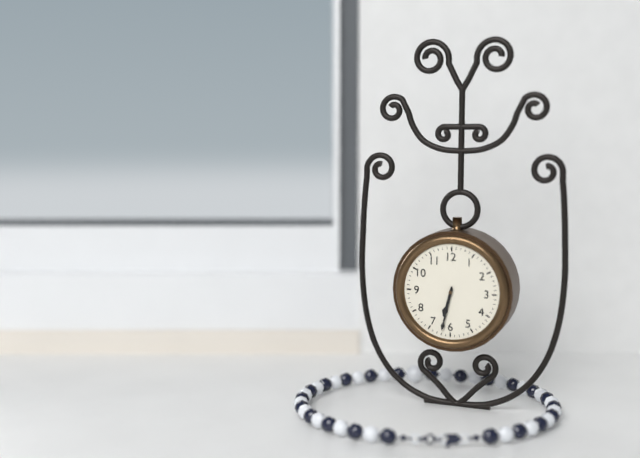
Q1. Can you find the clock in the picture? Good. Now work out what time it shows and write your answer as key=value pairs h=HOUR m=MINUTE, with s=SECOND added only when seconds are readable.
h=6 m=32
